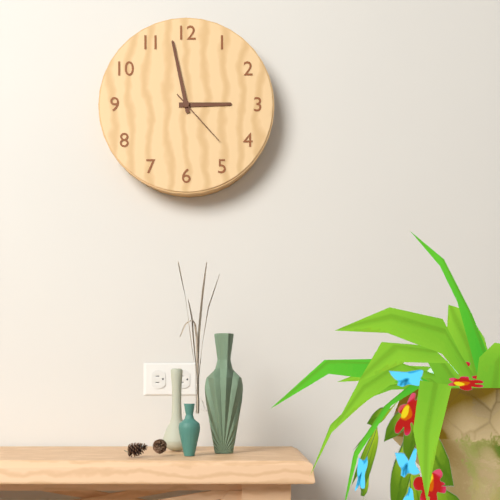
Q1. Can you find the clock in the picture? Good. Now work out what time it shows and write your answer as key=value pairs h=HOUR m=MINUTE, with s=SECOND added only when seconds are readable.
h=2 m=58 s=23
